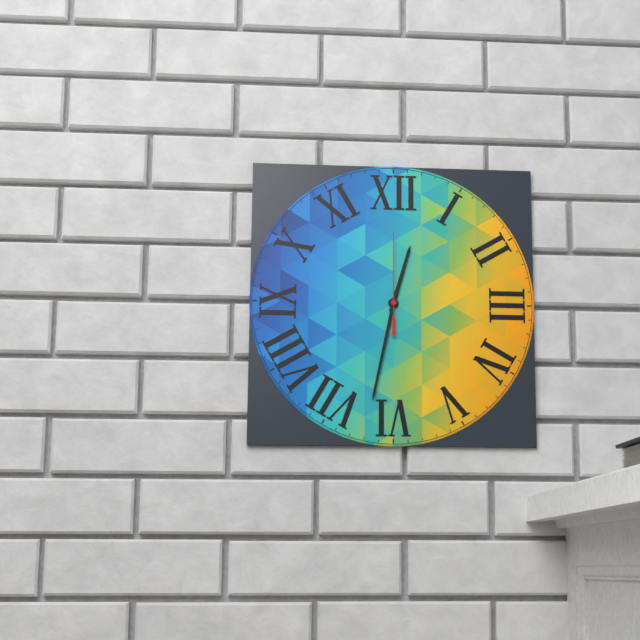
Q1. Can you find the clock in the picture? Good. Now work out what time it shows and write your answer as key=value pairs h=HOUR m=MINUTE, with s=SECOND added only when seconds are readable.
h=12 m=32 s=0
